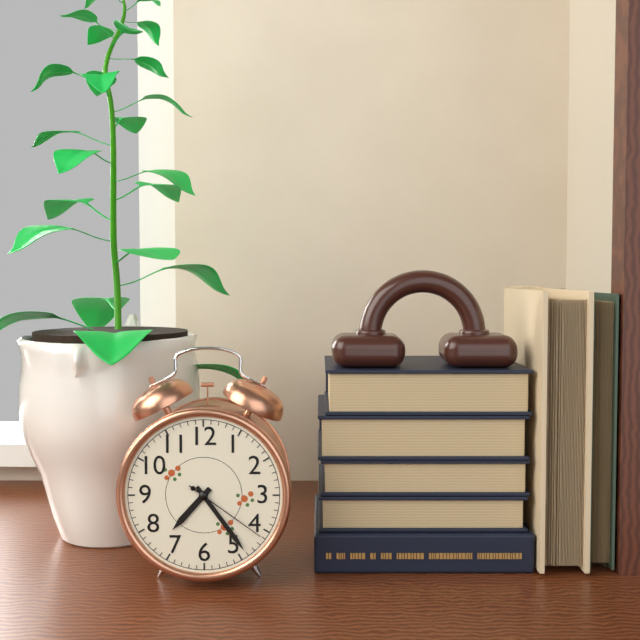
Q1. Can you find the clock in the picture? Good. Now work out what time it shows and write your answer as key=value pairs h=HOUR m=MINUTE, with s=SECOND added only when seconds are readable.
h=7 m=24 s=21
